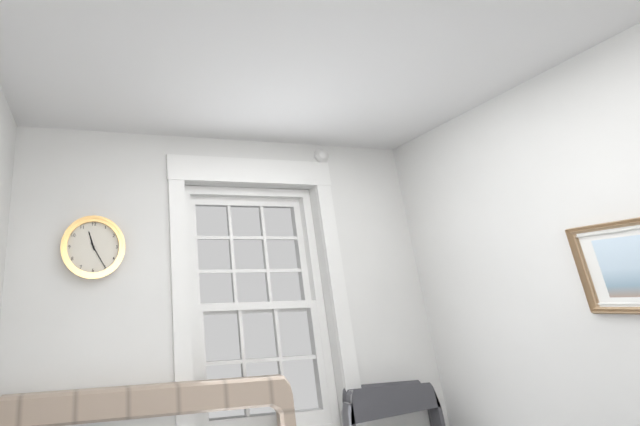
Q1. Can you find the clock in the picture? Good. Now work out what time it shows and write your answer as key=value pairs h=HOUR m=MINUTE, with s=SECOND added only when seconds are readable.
h=11 m=25
